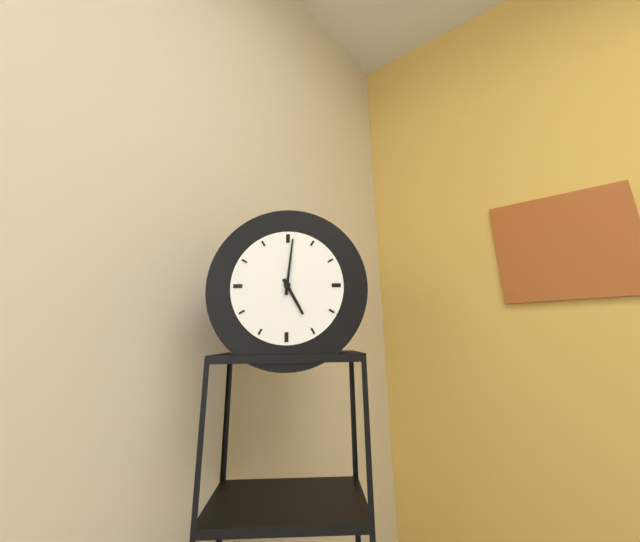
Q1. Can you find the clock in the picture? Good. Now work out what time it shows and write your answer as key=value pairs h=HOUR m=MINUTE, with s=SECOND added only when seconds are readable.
h=5 m=1
